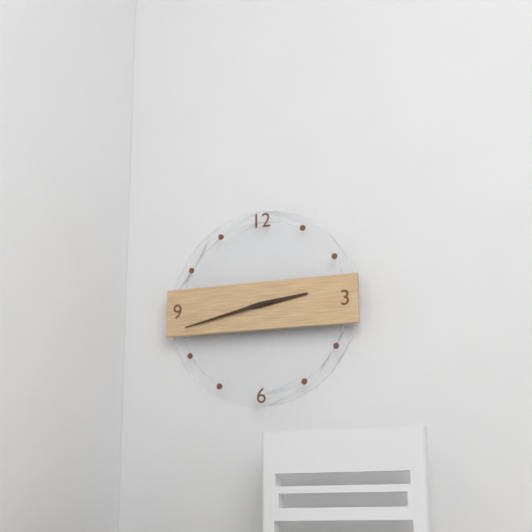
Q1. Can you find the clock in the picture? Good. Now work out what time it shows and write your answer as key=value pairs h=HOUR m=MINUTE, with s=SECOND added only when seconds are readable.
h=2 m=43
